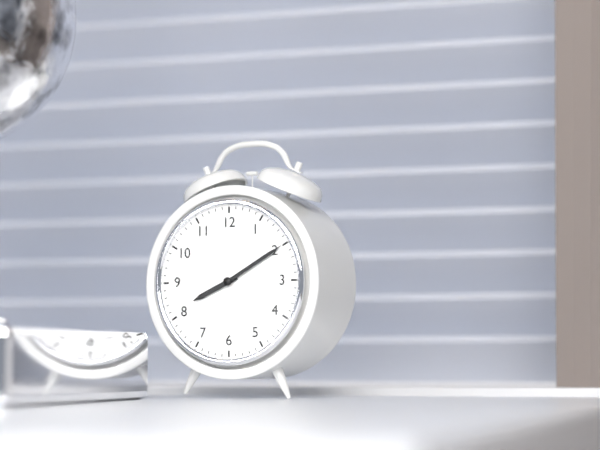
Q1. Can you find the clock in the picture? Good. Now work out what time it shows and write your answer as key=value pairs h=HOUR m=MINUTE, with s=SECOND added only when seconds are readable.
h=8 m=10
